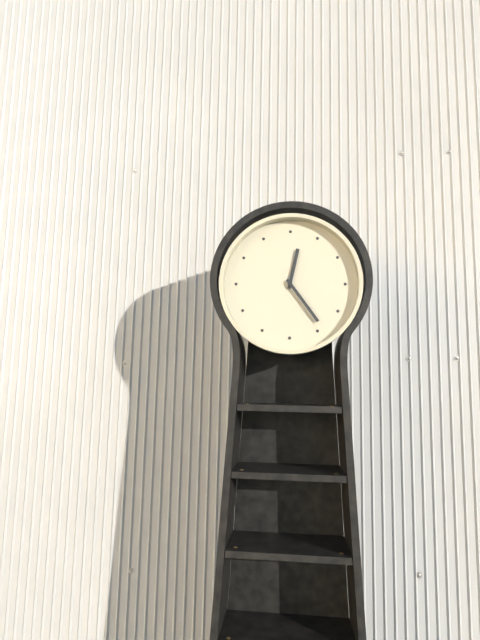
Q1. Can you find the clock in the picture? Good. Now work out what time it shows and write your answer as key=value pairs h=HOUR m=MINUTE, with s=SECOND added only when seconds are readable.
h=12 m=24
